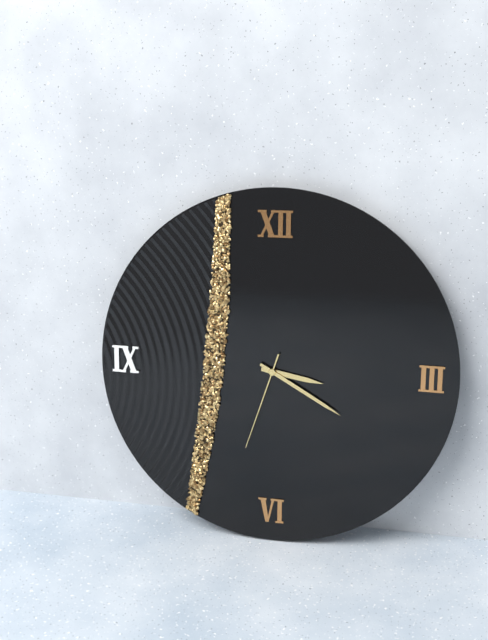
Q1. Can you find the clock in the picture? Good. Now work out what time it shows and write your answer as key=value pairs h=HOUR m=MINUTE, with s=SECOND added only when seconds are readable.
h=3 m=20 s=33
